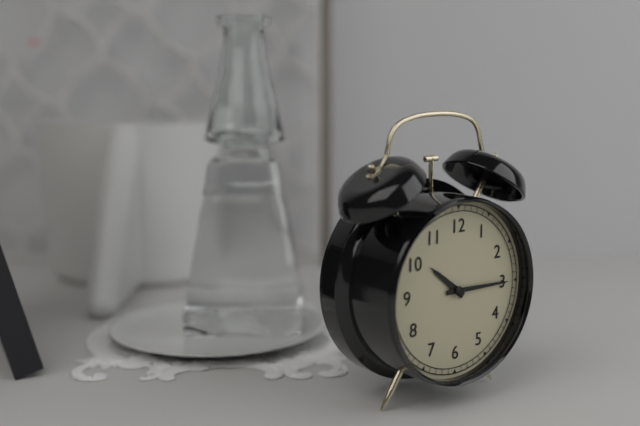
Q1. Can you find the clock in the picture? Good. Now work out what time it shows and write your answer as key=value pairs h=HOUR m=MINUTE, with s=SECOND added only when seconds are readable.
h=10 m=15
